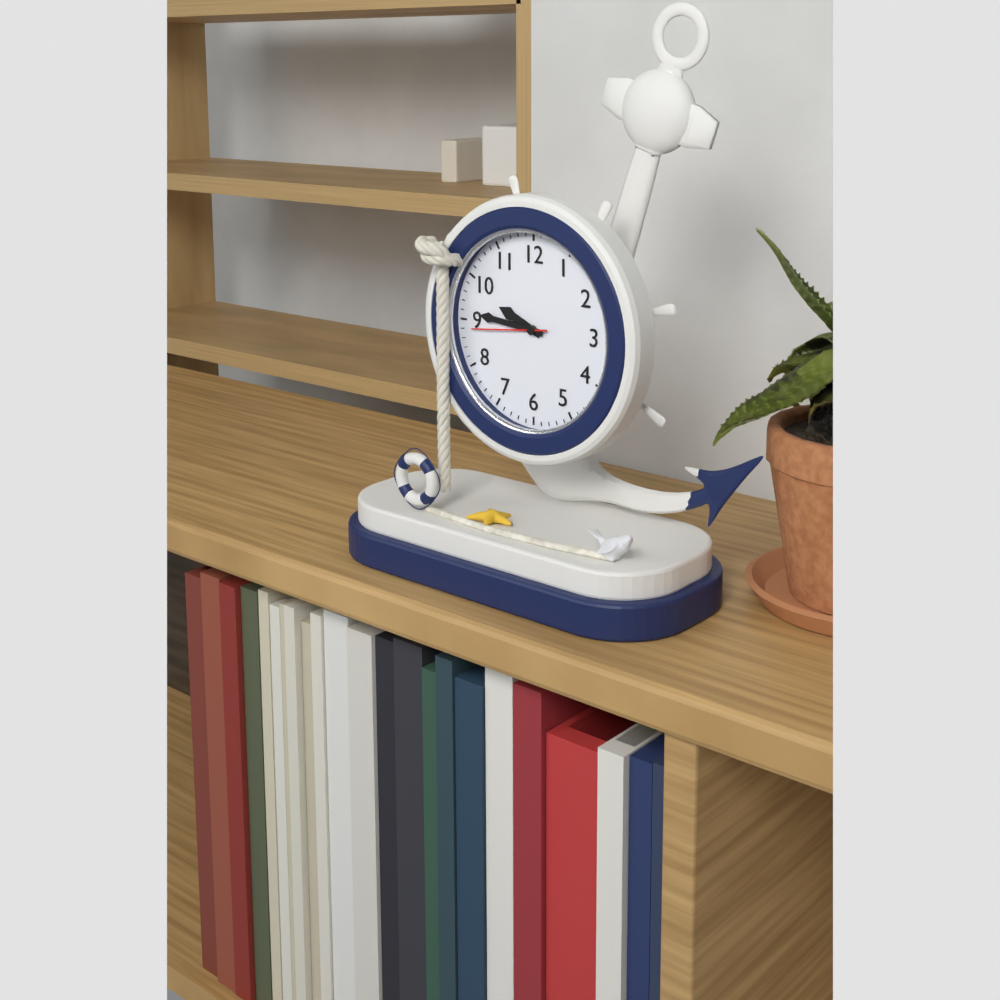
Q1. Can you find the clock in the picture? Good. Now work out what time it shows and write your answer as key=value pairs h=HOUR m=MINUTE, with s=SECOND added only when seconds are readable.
h=9 m=46 s=44
